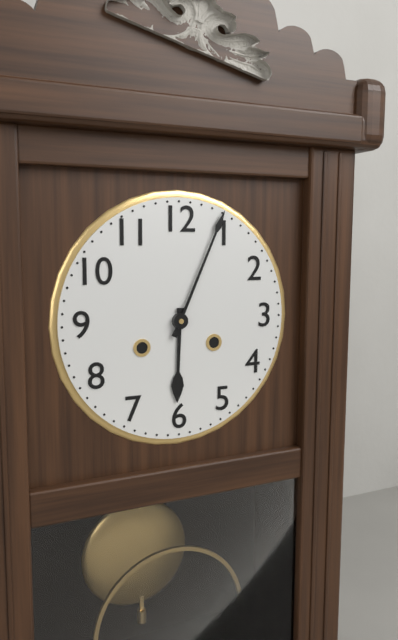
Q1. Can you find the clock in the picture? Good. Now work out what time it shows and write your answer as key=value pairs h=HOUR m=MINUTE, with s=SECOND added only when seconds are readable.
h=6 m=4
